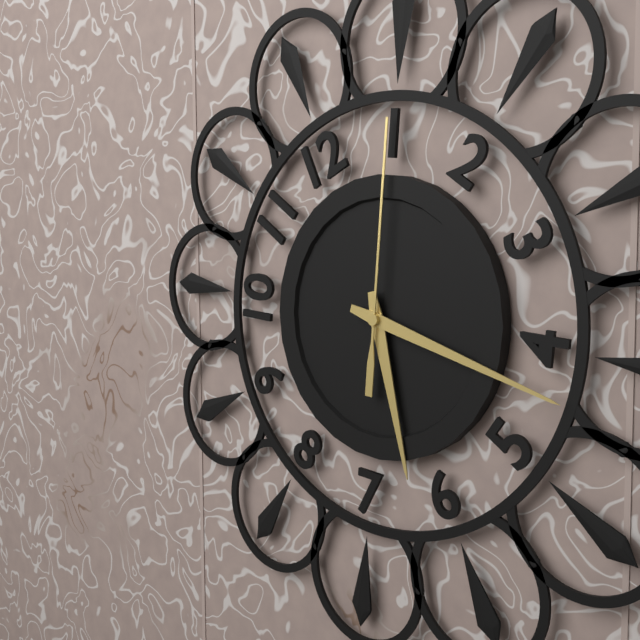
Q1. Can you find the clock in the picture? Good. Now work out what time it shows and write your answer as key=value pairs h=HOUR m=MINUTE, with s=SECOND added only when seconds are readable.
h=6 m=22 s=5
